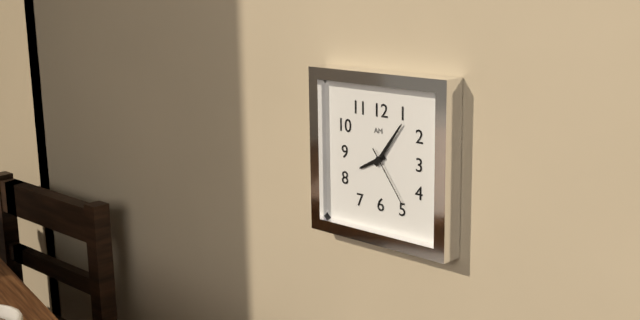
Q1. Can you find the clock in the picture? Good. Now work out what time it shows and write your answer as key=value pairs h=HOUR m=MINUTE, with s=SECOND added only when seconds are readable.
h=8 m=6 s=24
